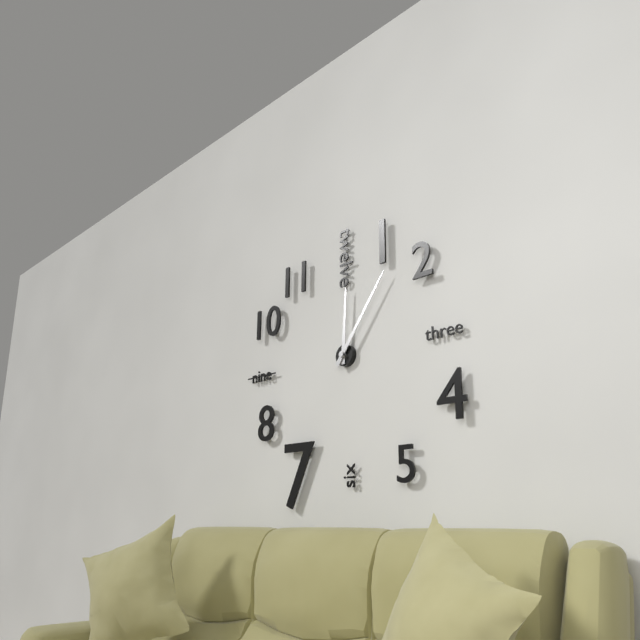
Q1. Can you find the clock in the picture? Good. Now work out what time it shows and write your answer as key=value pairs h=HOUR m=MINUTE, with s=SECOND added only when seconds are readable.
h=12 m=6
